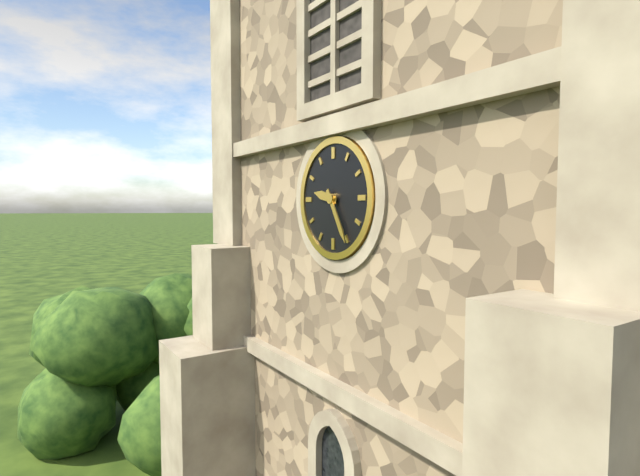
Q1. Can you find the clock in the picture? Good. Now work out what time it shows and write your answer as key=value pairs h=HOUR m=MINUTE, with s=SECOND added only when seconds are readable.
h=9 m=25
